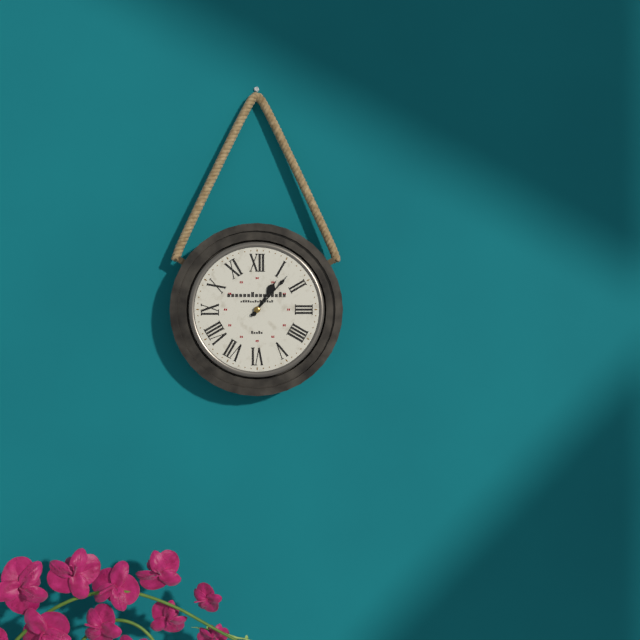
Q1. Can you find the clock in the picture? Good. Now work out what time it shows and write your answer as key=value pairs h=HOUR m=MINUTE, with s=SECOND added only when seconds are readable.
h=1 m=7
